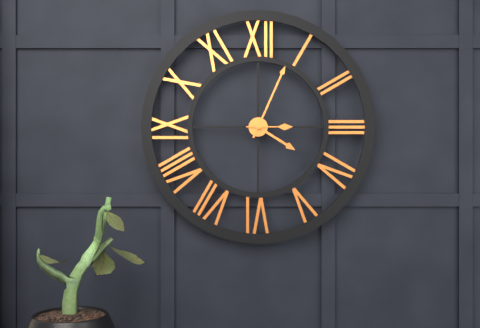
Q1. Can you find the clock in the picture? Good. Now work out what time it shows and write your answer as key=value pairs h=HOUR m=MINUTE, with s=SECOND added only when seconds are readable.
h=4 m=4
